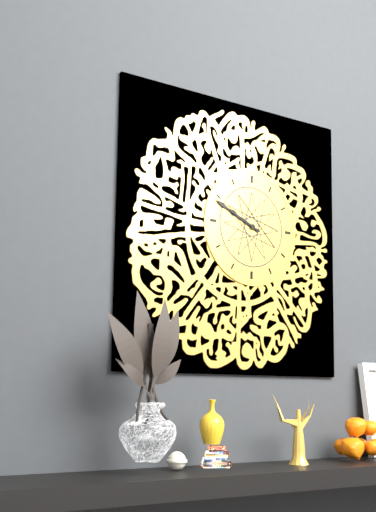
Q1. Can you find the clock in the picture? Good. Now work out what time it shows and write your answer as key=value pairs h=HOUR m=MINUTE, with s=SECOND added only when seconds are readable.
h=9 m=49
